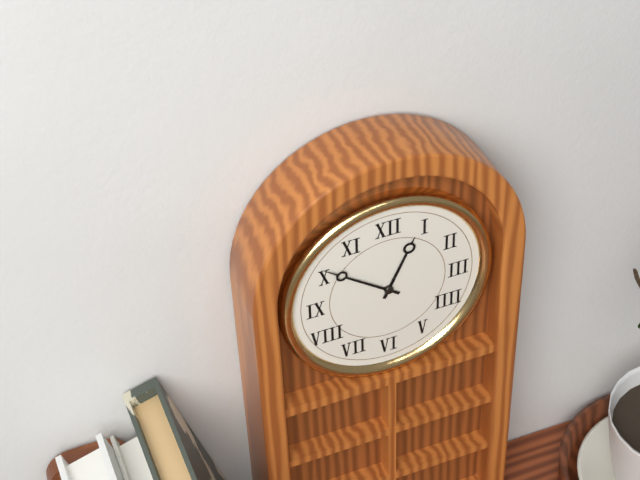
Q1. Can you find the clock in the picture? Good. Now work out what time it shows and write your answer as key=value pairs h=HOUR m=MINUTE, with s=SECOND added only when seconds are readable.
h=12 m=51
